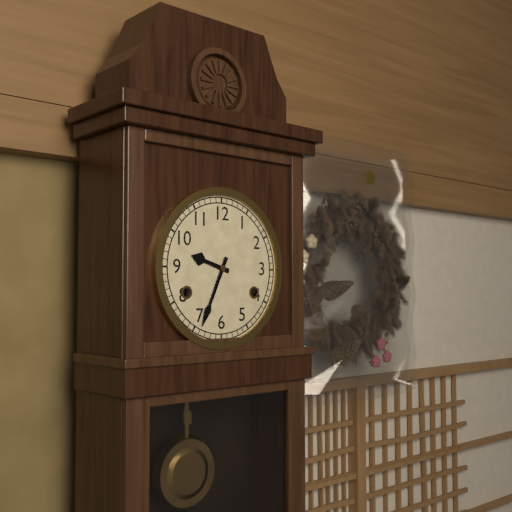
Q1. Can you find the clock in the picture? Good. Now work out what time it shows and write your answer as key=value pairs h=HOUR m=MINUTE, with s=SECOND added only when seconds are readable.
h=9 m=34
